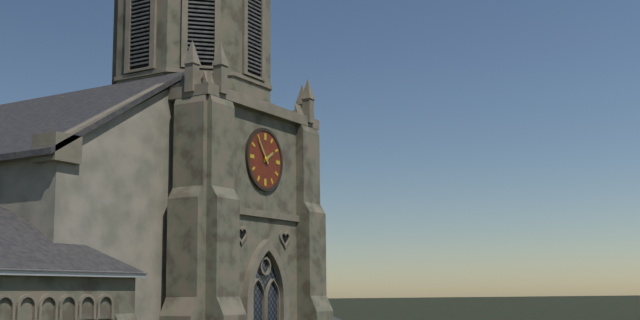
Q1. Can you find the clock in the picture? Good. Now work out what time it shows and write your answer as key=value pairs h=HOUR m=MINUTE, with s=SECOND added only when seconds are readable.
h=1 m=54
